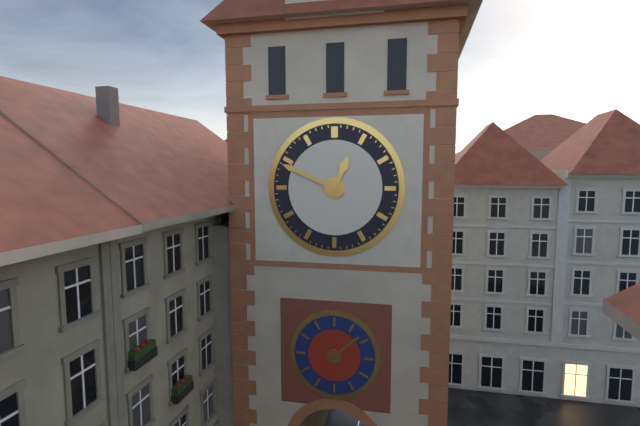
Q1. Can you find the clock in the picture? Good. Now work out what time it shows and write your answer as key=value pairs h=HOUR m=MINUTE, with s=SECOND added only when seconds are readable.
h=12 m=49
